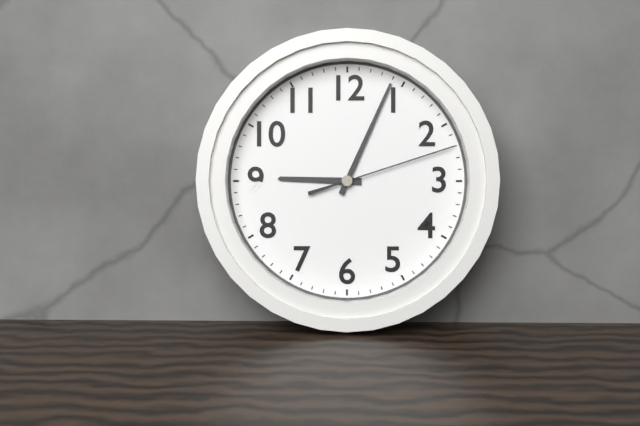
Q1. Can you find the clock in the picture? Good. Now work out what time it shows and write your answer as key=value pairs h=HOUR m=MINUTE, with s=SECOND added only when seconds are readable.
h=9 m=4 s=12
